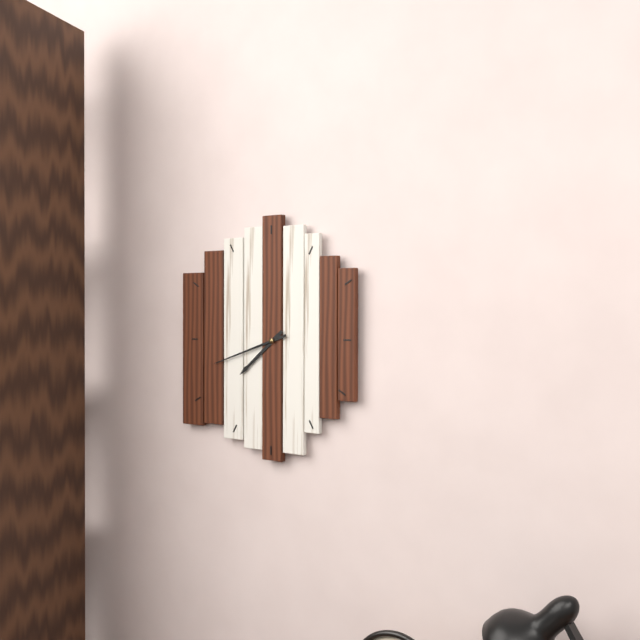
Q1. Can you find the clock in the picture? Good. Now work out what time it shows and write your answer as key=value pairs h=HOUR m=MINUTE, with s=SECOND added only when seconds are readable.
h=7 m=42
